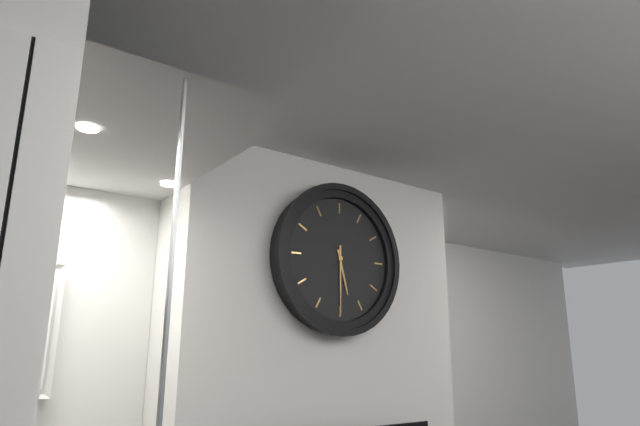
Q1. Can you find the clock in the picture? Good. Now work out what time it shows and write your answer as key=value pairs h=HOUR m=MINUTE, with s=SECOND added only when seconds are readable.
h=5 m=30
